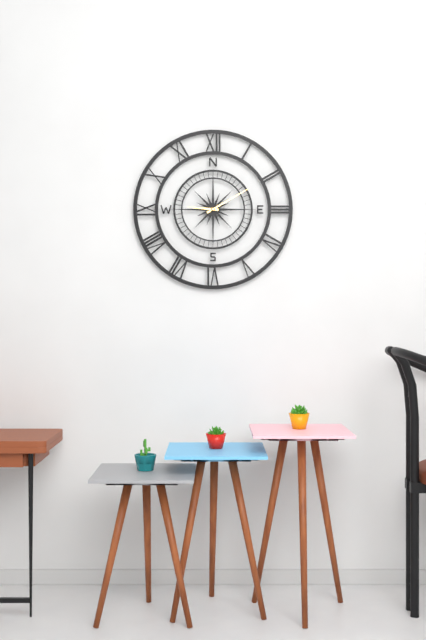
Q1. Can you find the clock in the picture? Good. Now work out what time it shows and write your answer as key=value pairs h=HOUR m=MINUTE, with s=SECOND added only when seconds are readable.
h=9 m=10
